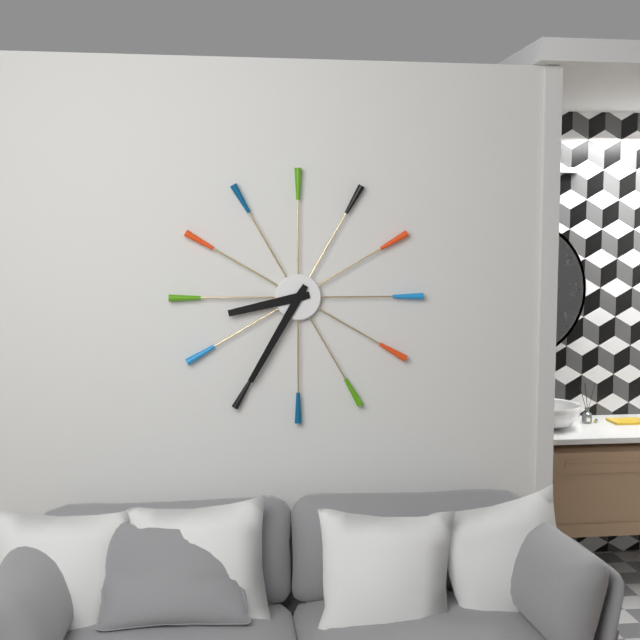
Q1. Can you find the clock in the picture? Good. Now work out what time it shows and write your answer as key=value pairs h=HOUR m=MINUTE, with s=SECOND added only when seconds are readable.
h=8 m=35
